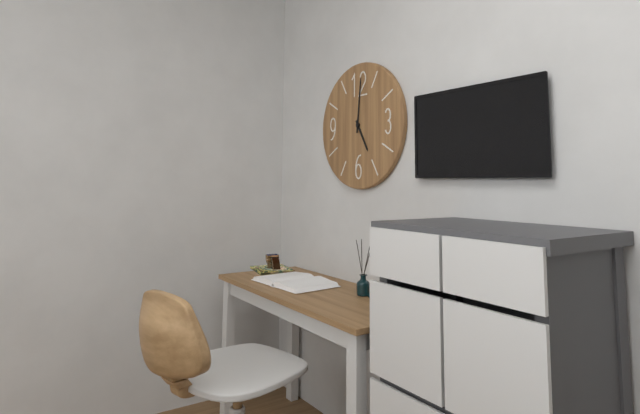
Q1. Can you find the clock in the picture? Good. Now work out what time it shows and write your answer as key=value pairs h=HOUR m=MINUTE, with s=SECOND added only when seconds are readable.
h=5 m=1
